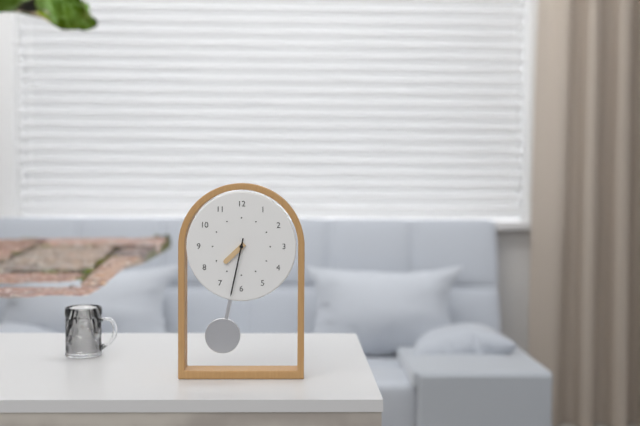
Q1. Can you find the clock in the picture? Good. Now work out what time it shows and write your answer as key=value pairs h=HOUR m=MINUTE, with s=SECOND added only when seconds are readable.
h=7 m=32
